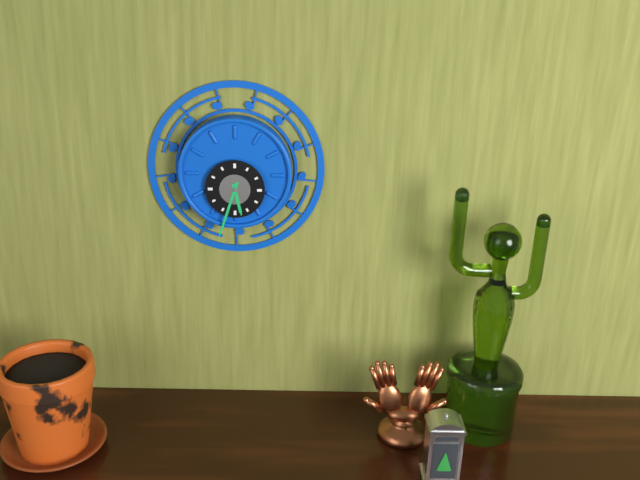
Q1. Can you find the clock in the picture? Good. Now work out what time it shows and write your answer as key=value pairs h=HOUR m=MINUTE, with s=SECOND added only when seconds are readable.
h=5 m=33
